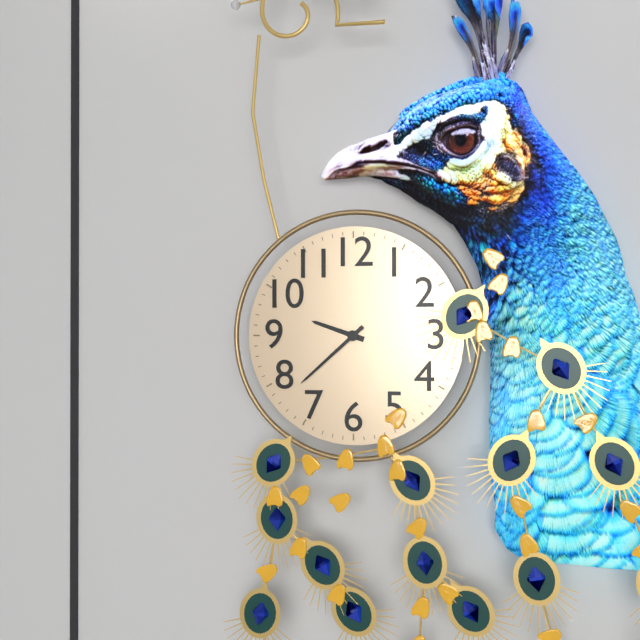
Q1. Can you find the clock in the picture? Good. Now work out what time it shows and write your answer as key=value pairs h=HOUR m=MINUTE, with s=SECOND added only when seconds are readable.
h=9 m=38
